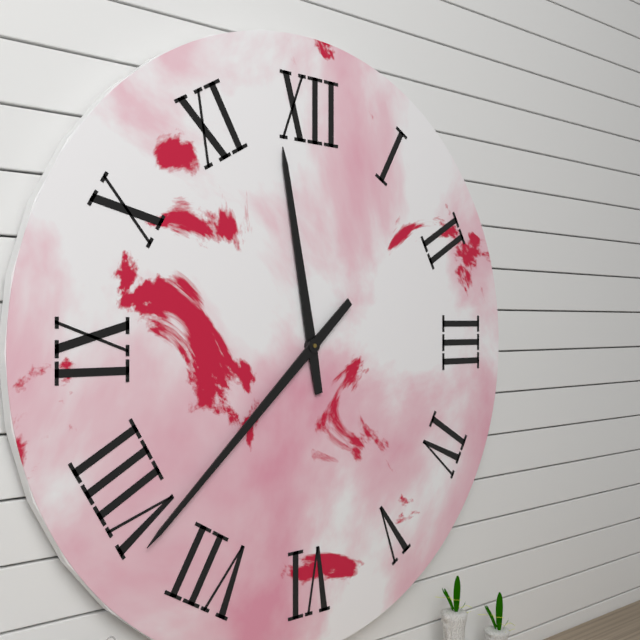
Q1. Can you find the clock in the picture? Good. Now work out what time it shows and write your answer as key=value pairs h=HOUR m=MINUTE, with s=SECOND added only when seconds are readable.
h=11 m=38
